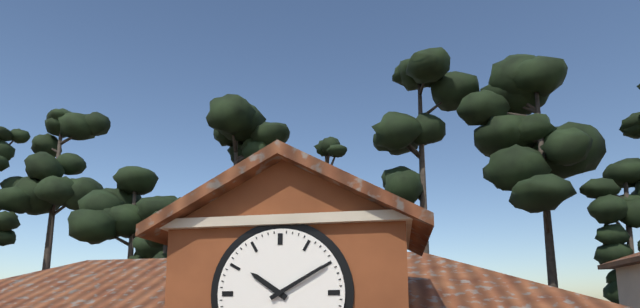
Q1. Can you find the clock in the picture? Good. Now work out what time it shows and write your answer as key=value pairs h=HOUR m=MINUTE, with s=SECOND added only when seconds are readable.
h=10 m=10
